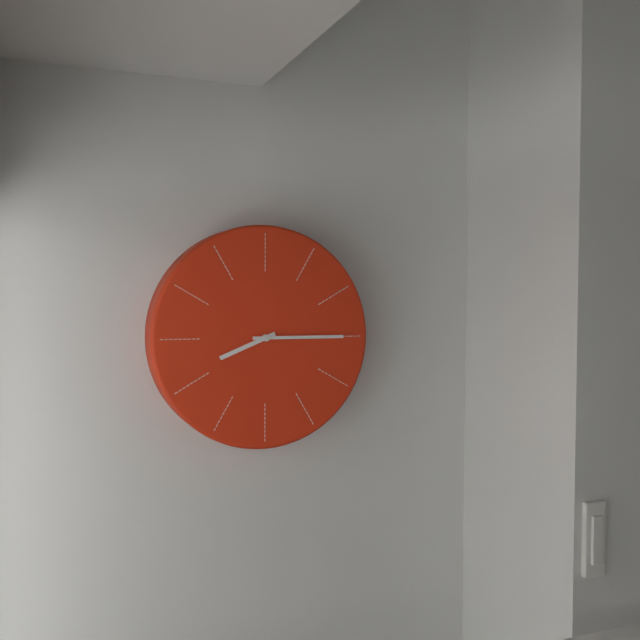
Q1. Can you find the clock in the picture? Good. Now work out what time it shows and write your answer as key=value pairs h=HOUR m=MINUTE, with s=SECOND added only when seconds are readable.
h=8 m=15
